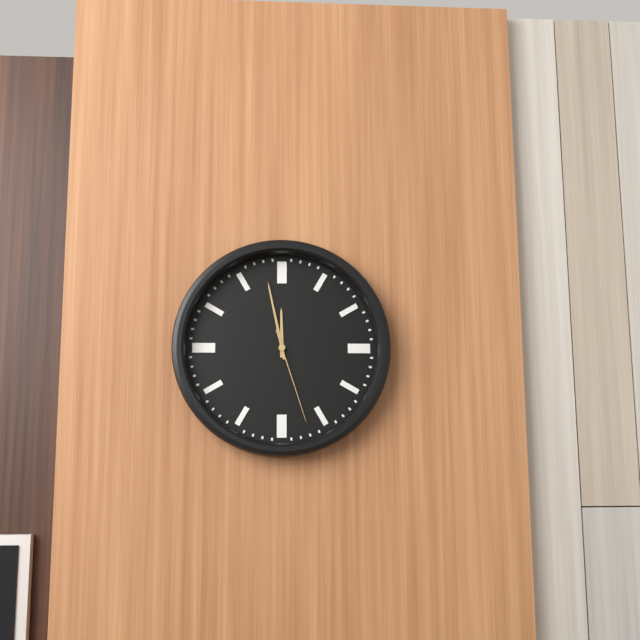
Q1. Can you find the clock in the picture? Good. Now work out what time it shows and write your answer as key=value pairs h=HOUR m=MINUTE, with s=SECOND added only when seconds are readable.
h=11 m=58 s=27
